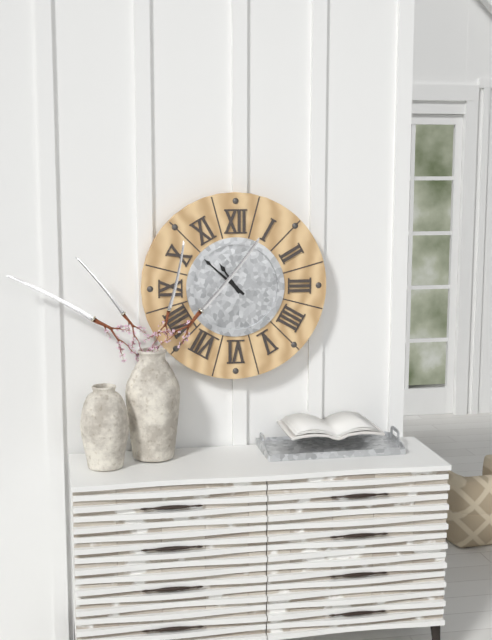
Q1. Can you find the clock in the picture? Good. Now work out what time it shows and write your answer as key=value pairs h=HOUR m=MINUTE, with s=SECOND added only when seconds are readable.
h=10 m=52
